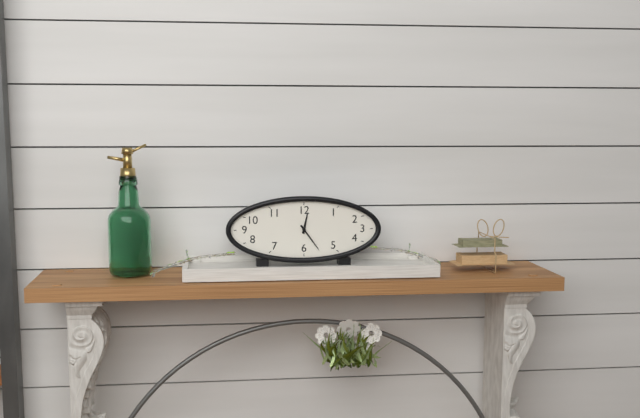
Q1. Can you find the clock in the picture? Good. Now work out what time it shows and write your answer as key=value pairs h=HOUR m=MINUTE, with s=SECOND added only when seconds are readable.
h=12 m=24
